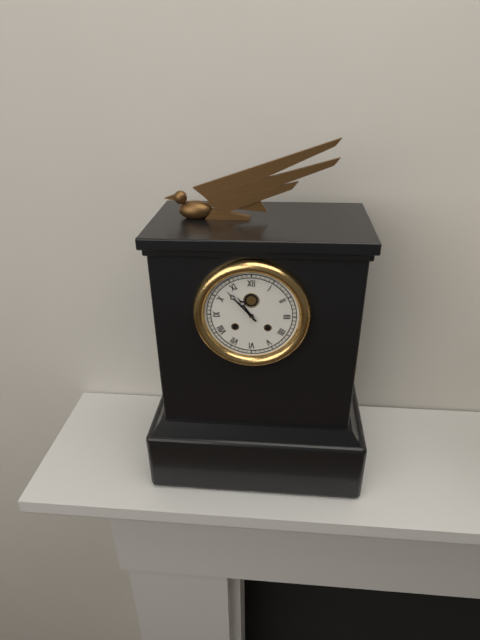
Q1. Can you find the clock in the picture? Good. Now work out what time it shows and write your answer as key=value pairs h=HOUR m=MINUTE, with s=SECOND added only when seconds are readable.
h=10 m=53
